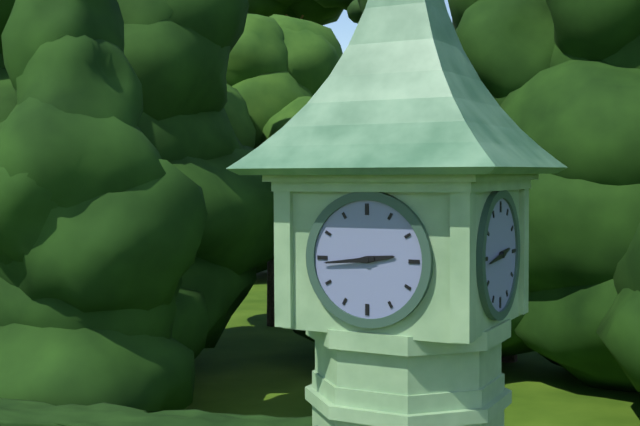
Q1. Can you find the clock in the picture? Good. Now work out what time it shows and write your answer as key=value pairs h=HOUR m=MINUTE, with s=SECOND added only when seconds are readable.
h=2 m=44
